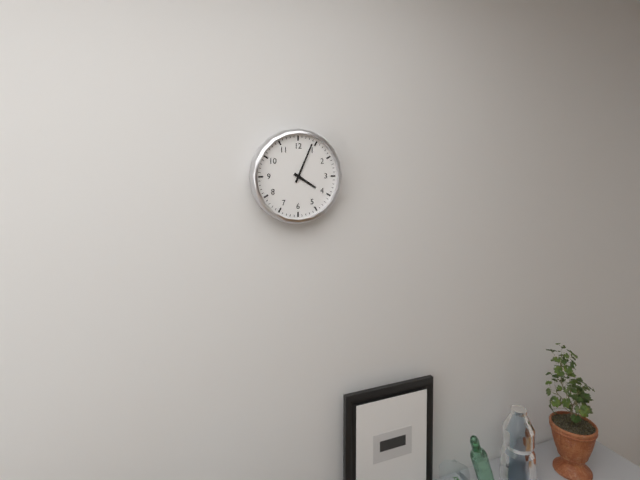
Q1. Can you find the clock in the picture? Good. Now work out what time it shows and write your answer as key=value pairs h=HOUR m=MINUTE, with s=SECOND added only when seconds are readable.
h=4 m=4
